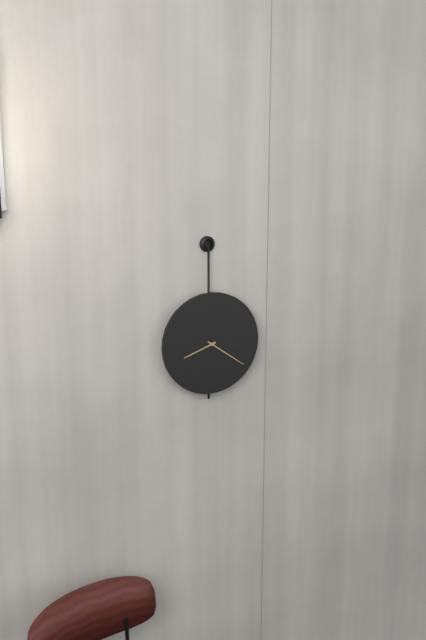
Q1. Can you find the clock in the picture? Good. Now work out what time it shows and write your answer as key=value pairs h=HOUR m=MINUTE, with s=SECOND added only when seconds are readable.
h=8 m=21
